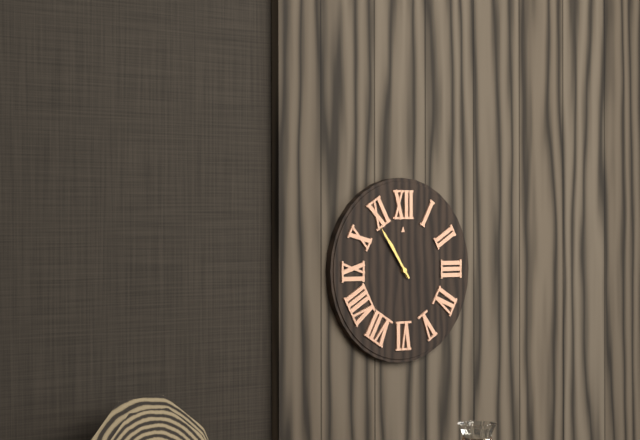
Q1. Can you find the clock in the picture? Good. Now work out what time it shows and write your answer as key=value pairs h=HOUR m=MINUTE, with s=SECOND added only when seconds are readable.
h=10 m=54
